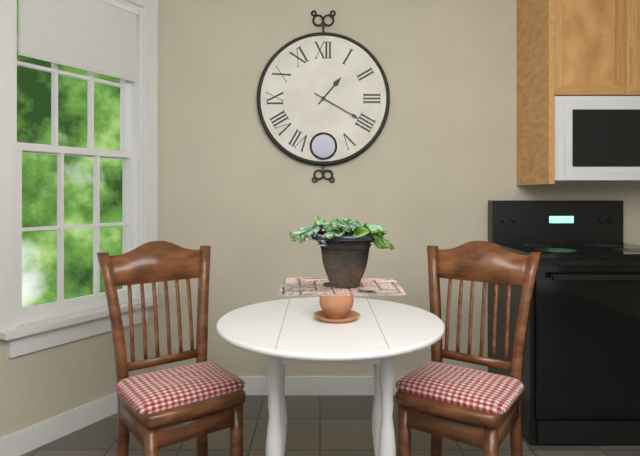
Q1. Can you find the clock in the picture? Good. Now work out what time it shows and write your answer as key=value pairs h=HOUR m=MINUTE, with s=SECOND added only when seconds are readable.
h=1 m=20
